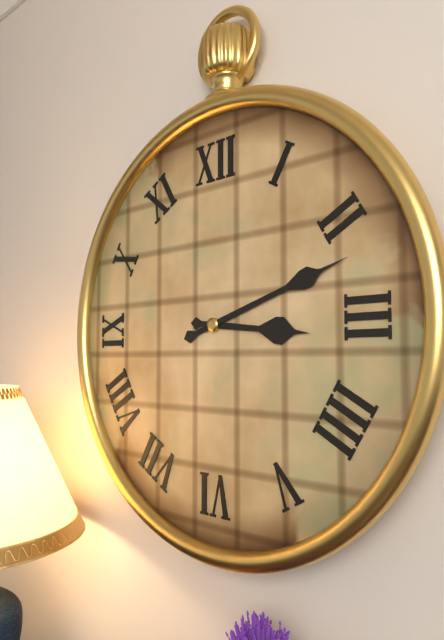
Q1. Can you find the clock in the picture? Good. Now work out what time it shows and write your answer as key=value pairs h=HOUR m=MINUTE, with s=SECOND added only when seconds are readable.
h=3 m=12
